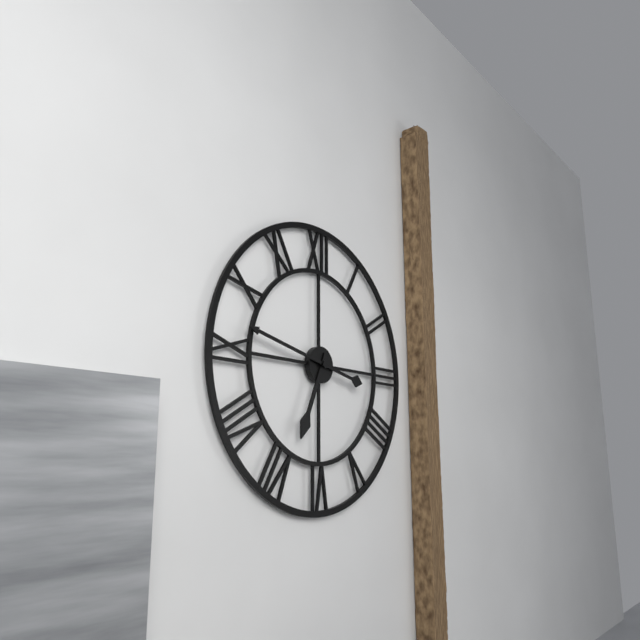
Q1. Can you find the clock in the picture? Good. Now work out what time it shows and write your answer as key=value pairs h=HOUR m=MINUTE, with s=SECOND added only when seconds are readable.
h=6 m=47
